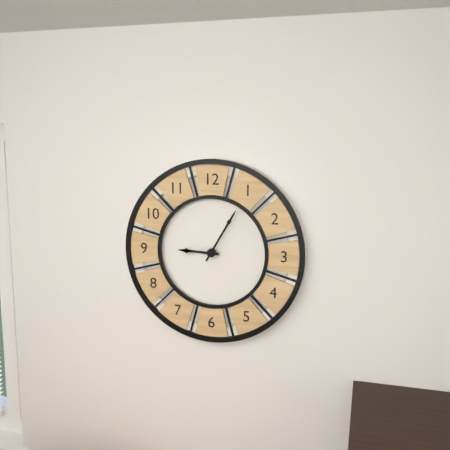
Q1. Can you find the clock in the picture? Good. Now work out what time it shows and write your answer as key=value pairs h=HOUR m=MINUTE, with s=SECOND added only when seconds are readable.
h=9 m=5
